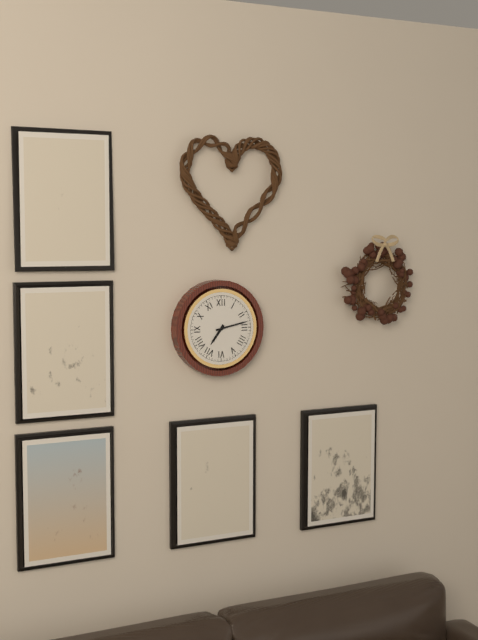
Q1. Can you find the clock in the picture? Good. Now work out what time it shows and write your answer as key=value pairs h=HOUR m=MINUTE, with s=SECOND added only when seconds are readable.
h=7 m=13
